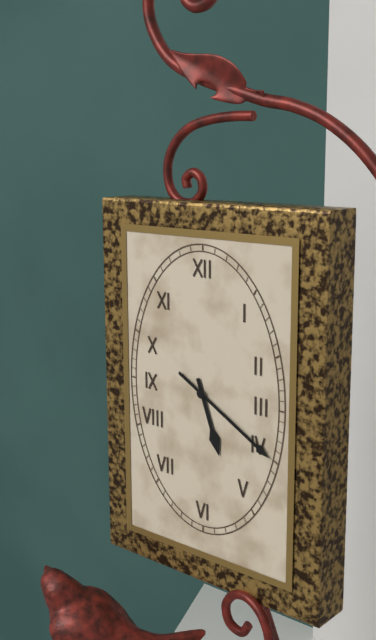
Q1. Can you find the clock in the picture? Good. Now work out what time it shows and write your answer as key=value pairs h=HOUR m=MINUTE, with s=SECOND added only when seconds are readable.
h=5 m=20
